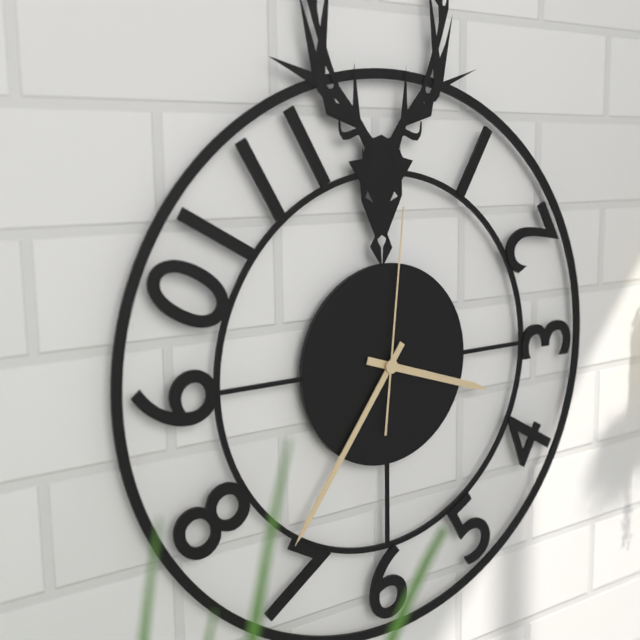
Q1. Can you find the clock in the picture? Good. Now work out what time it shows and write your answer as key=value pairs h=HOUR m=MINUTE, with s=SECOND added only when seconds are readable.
h=3 m=36 s=1
